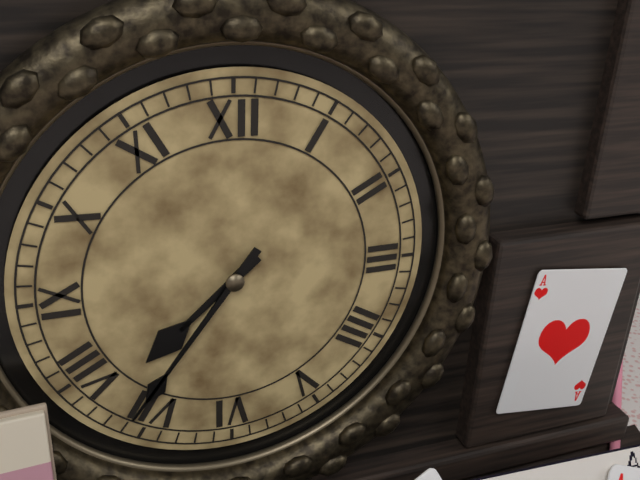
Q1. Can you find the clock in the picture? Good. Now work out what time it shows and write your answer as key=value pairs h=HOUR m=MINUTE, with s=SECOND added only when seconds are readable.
h=7 m=36
